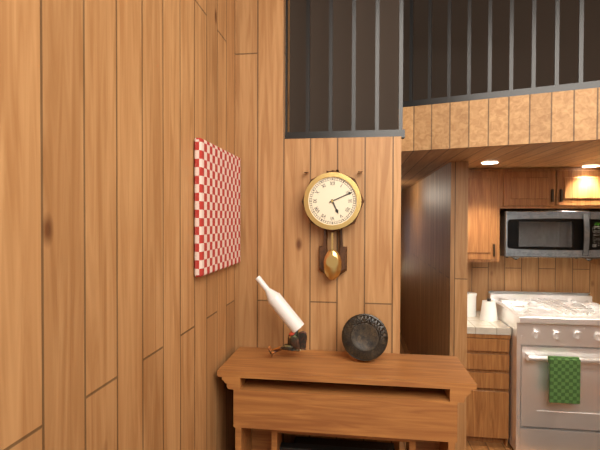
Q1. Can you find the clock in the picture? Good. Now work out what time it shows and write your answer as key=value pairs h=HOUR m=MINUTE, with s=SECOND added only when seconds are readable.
h=5 m=11
